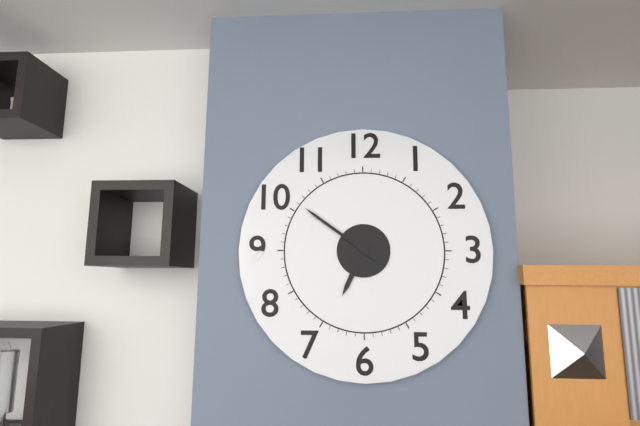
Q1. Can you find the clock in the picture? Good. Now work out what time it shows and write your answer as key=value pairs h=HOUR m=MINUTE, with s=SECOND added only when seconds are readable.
h=6 m=51
